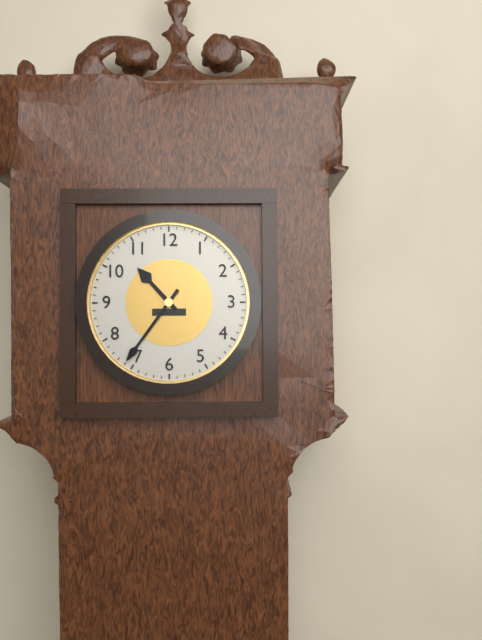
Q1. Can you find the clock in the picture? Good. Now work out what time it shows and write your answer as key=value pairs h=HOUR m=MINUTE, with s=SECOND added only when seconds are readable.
h=10 m=36
